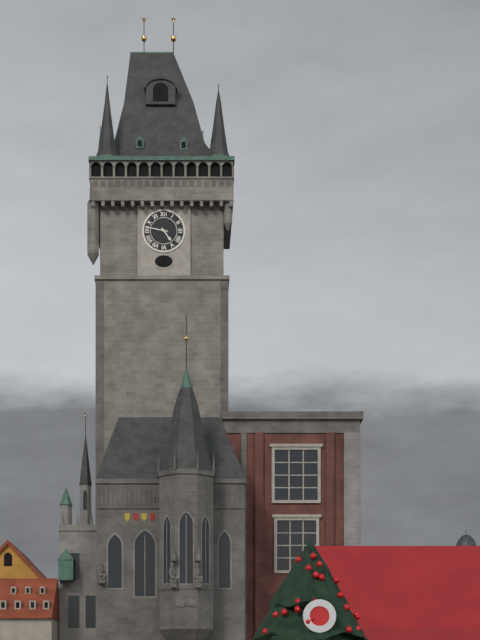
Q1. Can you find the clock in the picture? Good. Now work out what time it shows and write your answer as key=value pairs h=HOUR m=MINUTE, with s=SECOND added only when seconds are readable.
h=4 m=47
